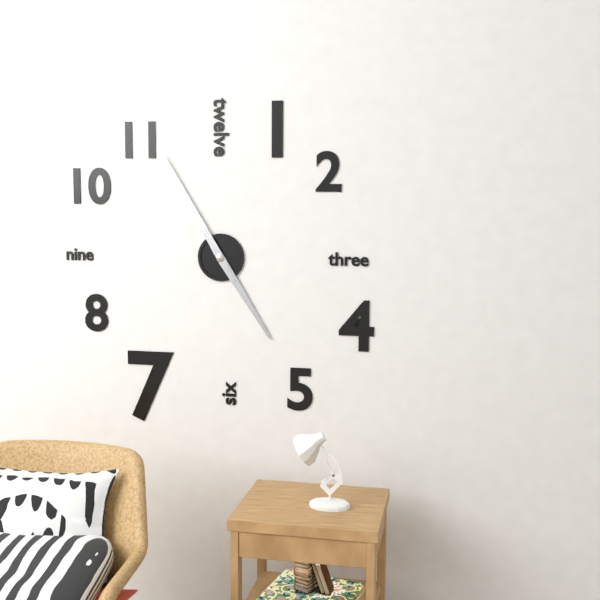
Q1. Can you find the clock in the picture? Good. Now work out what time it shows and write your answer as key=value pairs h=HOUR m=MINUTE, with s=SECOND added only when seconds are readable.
h=4 m=55
